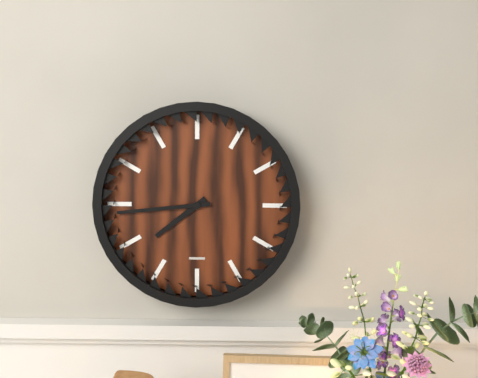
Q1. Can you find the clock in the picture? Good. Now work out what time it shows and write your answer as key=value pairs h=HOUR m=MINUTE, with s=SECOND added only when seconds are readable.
h=7 m=44
